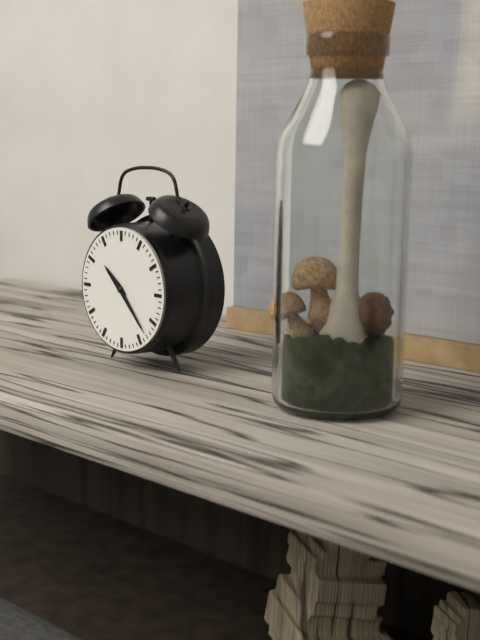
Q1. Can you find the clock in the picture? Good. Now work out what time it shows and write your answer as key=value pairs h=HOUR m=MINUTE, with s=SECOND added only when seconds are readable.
h=10 m=23
